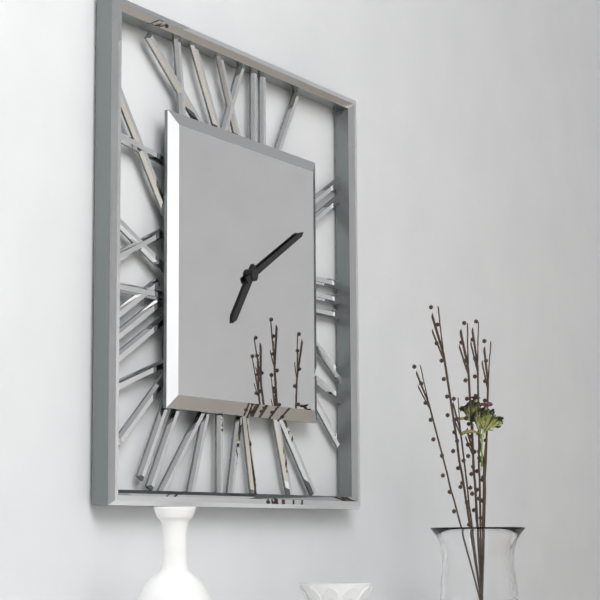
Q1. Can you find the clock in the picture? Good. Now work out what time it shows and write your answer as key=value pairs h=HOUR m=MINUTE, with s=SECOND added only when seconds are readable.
h=7 m=10
